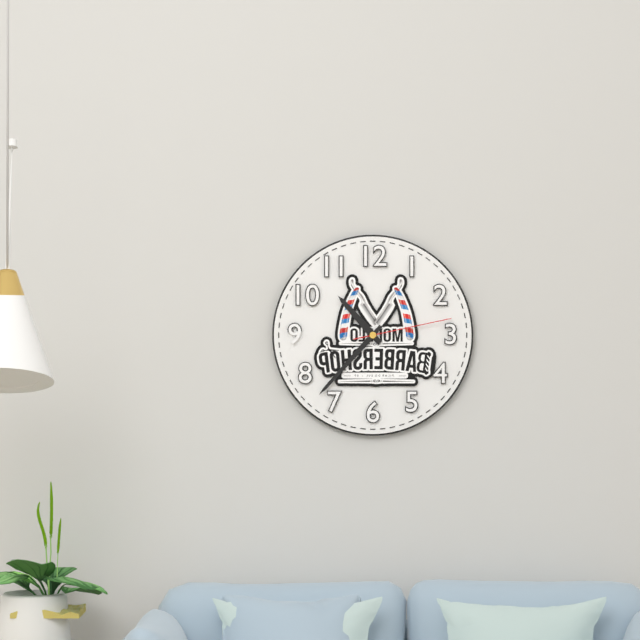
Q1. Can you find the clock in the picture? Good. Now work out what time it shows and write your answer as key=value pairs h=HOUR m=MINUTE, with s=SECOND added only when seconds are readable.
h=10 m=37 s=13
